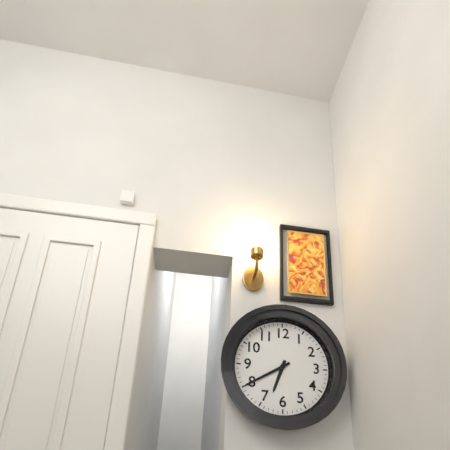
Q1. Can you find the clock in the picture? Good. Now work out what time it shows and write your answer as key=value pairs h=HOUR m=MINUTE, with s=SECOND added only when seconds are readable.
h=6 m=40
